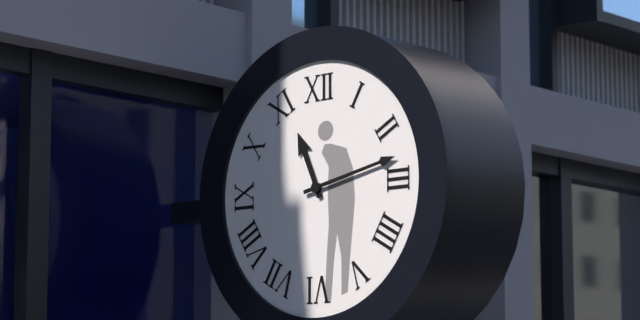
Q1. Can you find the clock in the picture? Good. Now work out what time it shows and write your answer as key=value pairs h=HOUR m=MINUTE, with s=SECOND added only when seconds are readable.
h=11 m=13
